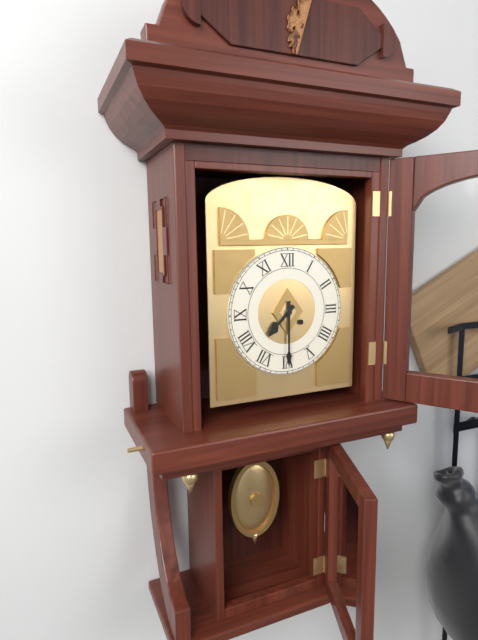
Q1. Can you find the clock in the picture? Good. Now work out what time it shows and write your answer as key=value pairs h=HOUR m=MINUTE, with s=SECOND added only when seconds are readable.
h=7 m=30
